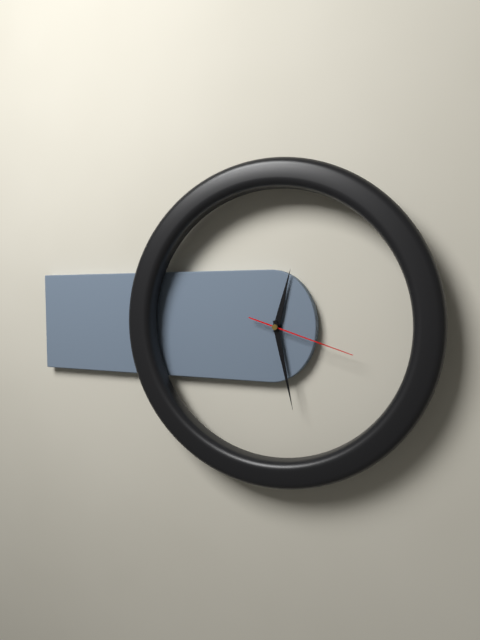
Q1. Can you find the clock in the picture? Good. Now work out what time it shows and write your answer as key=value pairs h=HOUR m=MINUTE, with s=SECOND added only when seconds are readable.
h=12 m=28 s=18
